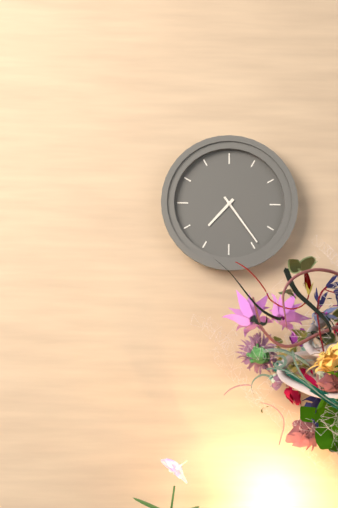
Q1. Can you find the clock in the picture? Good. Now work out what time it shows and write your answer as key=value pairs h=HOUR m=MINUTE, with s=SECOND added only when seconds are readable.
h=7 m=24
